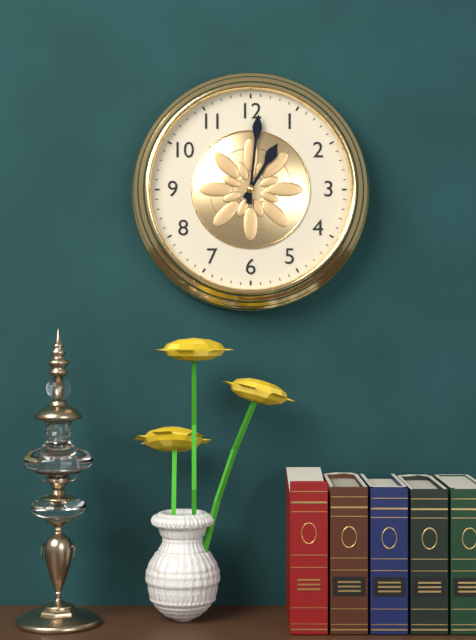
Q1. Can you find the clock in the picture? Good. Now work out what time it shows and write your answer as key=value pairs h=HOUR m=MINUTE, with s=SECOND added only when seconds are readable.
h=1 m=1
